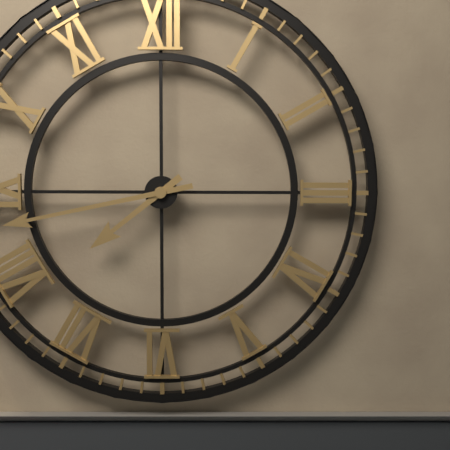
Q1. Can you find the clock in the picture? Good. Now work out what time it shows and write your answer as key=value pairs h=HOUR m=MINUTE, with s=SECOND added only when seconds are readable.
h=7 m=43
